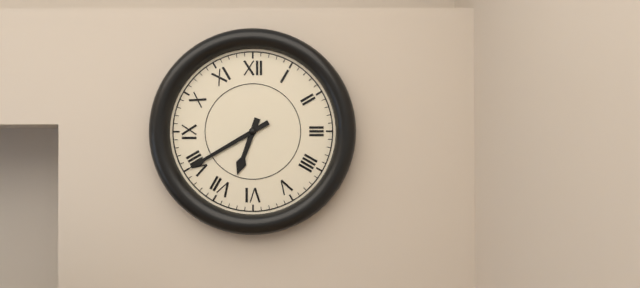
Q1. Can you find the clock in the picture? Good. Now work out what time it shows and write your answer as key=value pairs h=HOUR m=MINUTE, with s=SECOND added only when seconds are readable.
h=6 m=40
